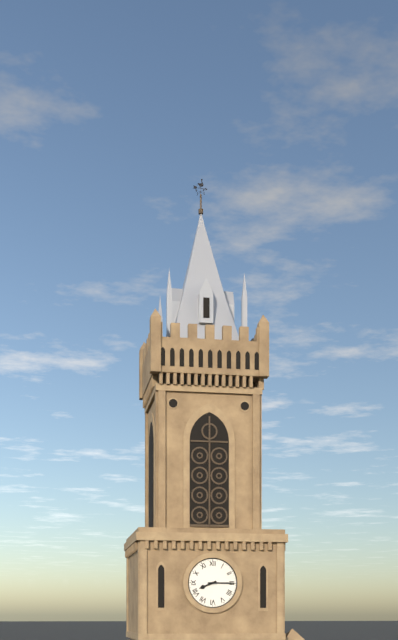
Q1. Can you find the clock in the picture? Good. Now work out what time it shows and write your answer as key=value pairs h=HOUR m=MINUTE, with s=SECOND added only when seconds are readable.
h=8 m=15
